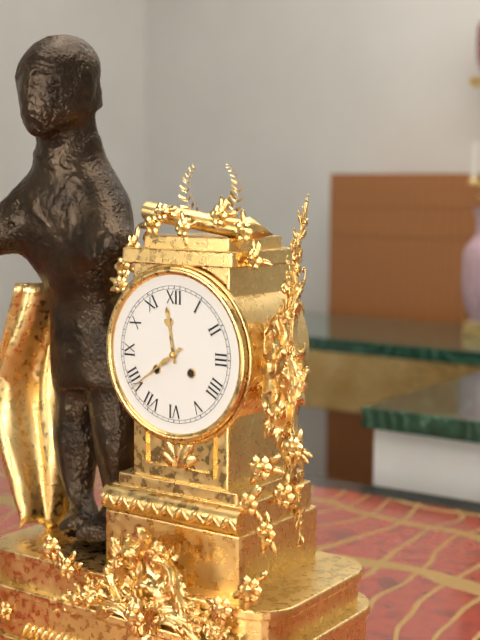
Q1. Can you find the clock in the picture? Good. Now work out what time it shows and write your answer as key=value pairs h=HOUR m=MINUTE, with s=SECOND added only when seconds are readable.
h=11 m=39
